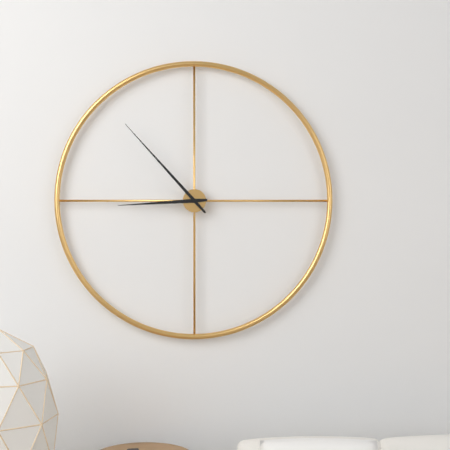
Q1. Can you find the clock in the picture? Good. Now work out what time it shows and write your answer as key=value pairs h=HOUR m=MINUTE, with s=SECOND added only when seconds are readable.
h=8 m=53
